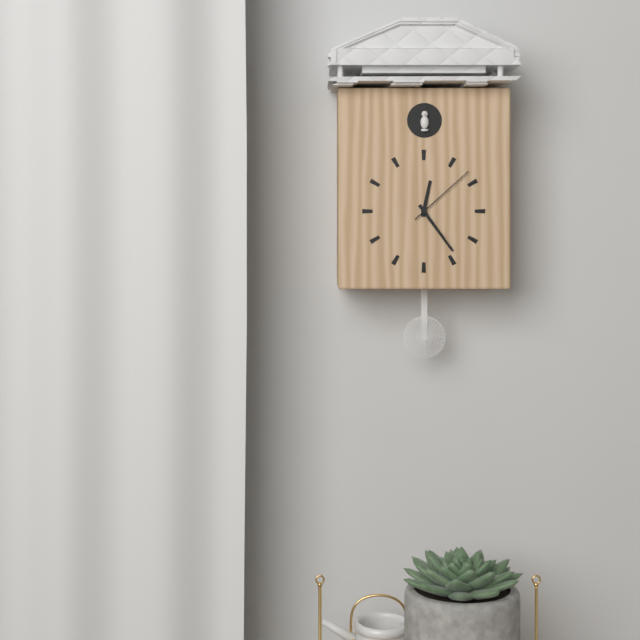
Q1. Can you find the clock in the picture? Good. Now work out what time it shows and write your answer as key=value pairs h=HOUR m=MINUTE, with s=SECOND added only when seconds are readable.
h=12 m=24 s=8
